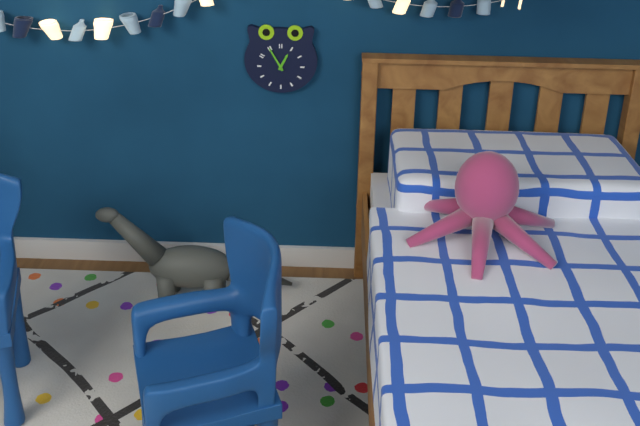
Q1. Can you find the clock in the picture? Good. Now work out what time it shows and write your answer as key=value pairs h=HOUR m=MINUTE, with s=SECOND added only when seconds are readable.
h=12 m=55
